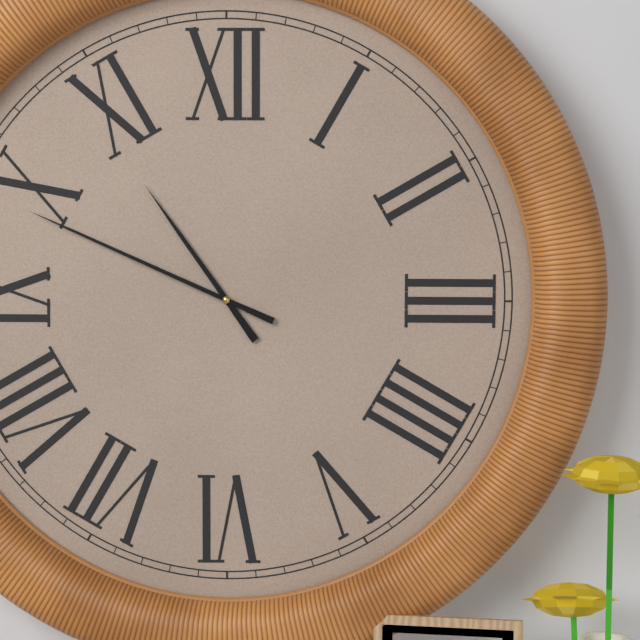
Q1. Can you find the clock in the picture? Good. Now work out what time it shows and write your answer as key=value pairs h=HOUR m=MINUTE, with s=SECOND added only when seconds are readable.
h=10 m=49
